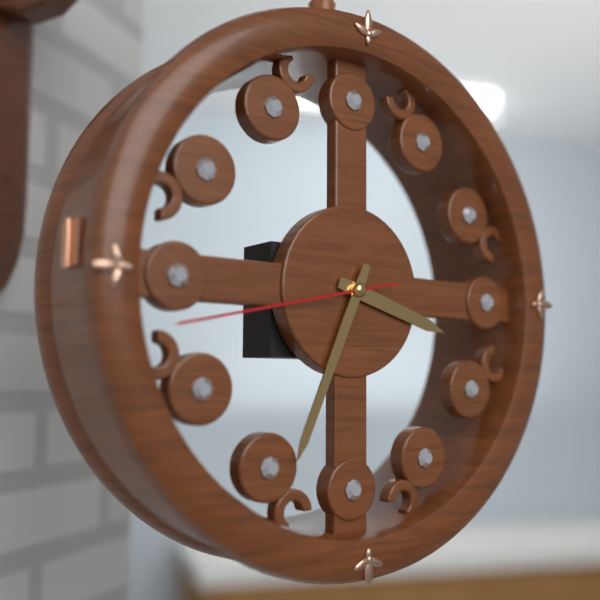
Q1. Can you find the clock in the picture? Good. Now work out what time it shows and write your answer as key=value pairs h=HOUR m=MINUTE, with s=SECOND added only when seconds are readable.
h=3 m=34 s=43
